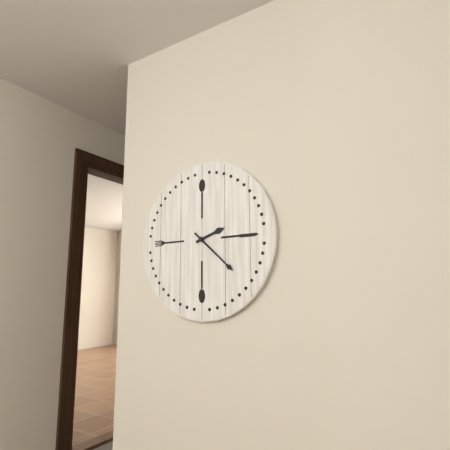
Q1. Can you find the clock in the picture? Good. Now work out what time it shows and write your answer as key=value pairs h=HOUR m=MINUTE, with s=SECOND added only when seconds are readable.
h=2 m=22
